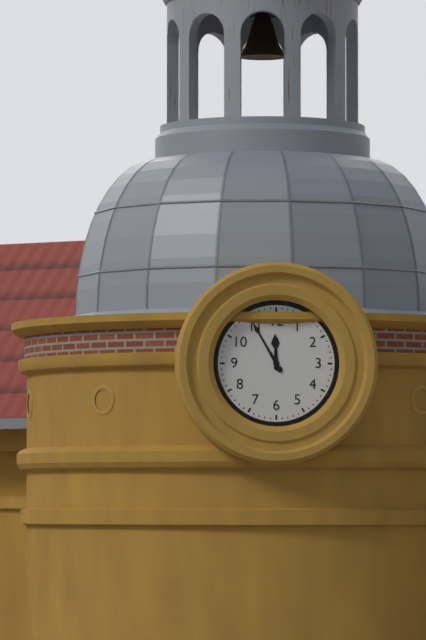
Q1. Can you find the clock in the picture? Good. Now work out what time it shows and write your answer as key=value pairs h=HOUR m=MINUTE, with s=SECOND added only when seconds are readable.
h=11 m=55
